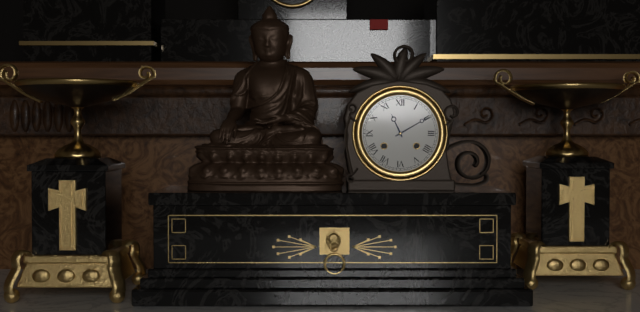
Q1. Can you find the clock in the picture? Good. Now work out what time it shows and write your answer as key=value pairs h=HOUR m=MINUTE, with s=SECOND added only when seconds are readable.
h=11 m=10
